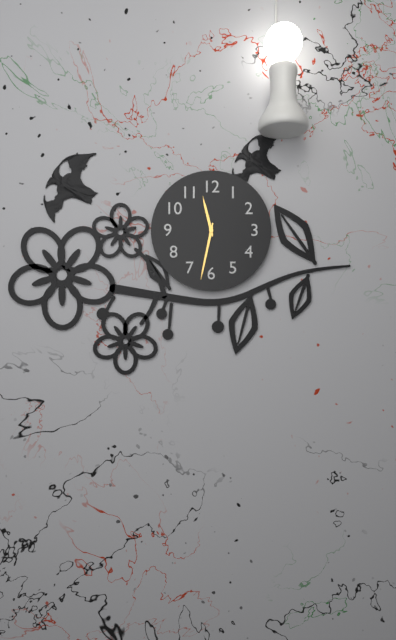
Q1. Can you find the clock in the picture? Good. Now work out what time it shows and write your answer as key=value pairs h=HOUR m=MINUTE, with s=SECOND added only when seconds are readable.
h=11 m=32
